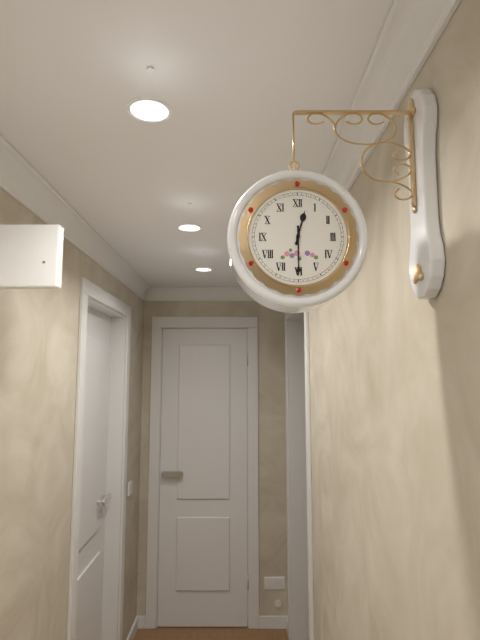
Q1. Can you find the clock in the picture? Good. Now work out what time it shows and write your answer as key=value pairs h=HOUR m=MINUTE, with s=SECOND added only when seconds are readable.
h=12 m=30
